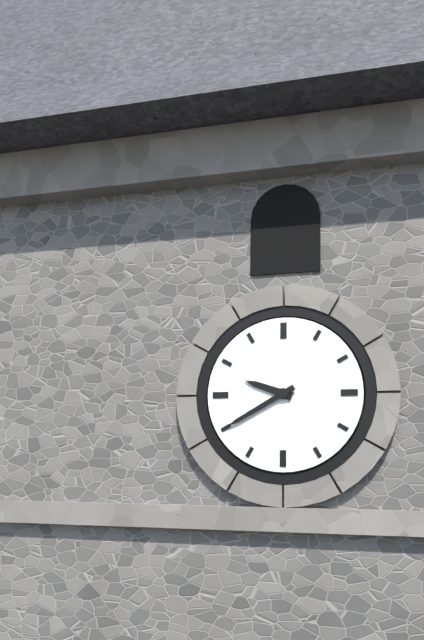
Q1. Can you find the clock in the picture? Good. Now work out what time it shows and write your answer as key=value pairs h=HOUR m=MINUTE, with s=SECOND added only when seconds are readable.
h=9 m=40
